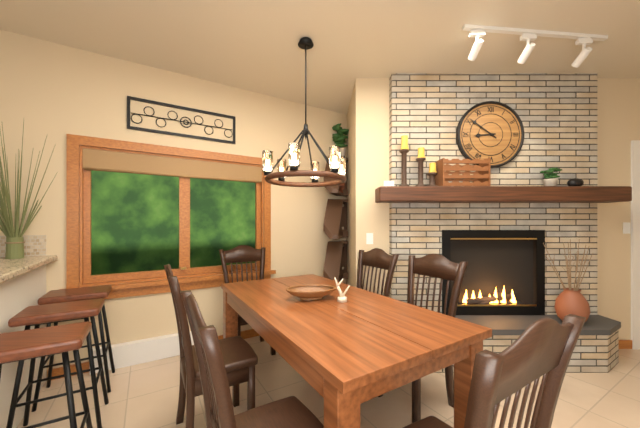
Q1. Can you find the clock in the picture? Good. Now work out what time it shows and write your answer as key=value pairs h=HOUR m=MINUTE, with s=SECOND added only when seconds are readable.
h=8 m=51
